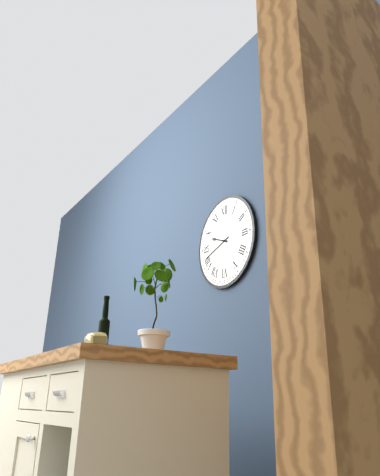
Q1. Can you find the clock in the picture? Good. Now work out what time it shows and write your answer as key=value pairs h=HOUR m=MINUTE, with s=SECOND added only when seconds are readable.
h=9 m=42
